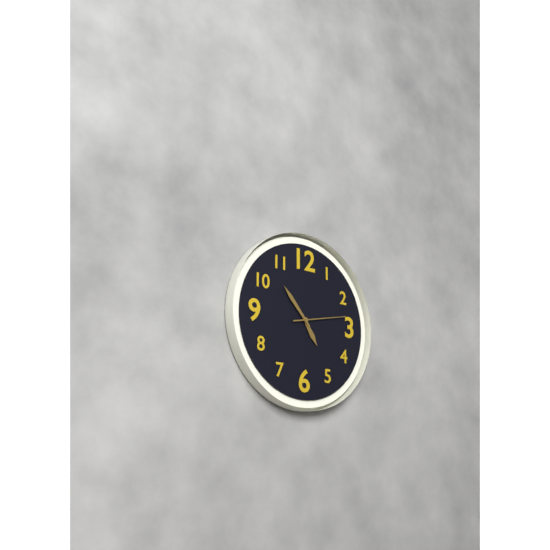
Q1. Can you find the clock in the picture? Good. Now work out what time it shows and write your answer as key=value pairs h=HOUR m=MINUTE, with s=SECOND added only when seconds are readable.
h=4 m=53
